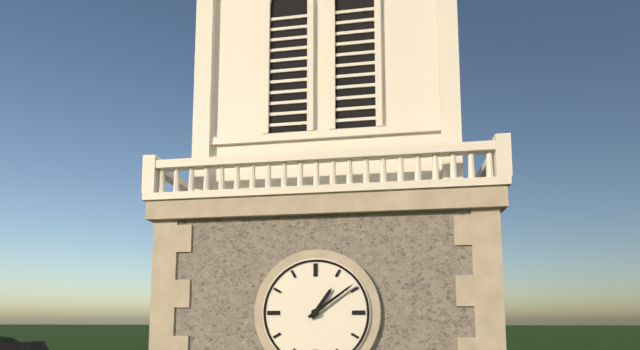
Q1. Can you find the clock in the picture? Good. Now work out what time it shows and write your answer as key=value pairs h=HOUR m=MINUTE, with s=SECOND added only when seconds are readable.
h=1 m=9
